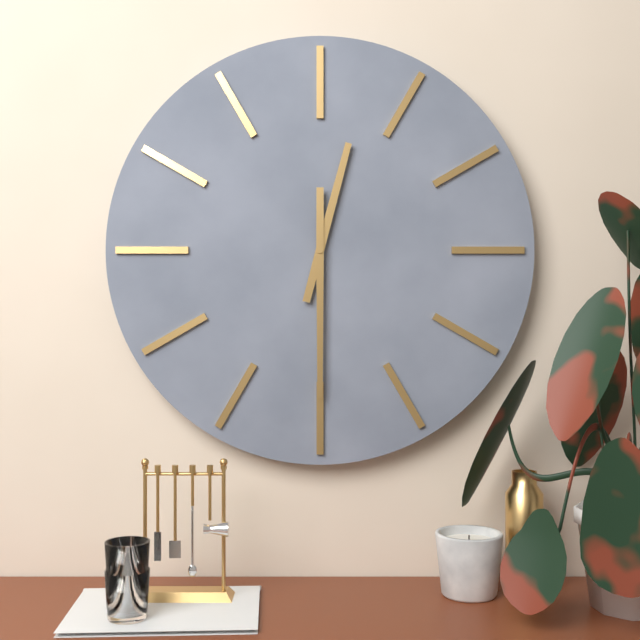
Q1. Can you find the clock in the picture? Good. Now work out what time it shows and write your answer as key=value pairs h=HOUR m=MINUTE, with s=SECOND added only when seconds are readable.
h=12 m=30
